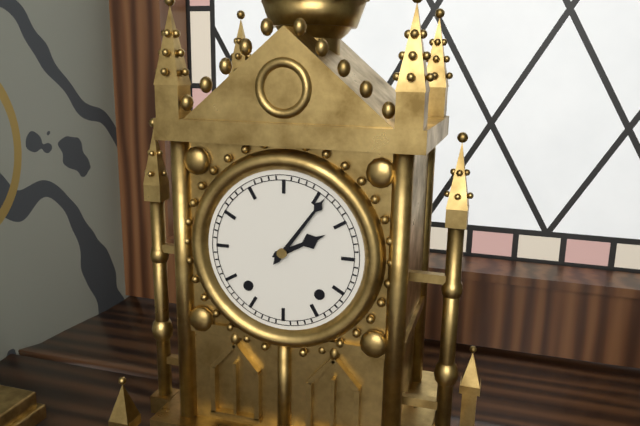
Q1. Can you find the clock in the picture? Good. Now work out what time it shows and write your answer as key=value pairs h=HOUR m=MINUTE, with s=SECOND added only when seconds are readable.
h=2 m=6
